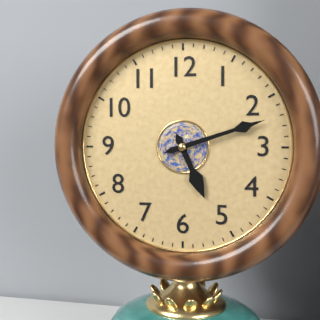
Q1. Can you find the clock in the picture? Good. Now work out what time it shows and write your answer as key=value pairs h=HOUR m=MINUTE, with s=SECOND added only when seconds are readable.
h=5 m=12
